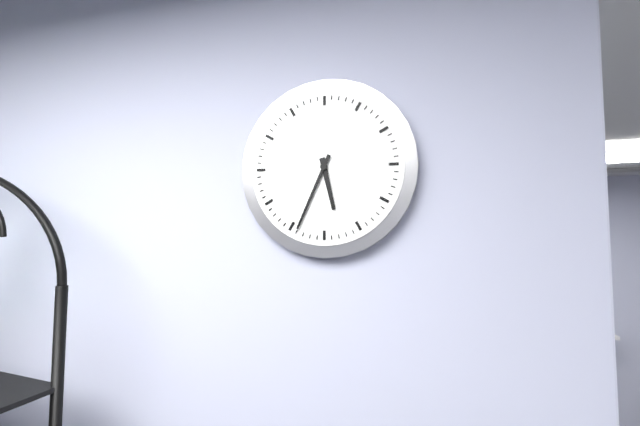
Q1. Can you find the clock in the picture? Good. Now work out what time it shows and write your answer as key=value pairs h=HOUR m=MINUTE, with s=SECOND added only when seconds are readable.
h=5 m=34
